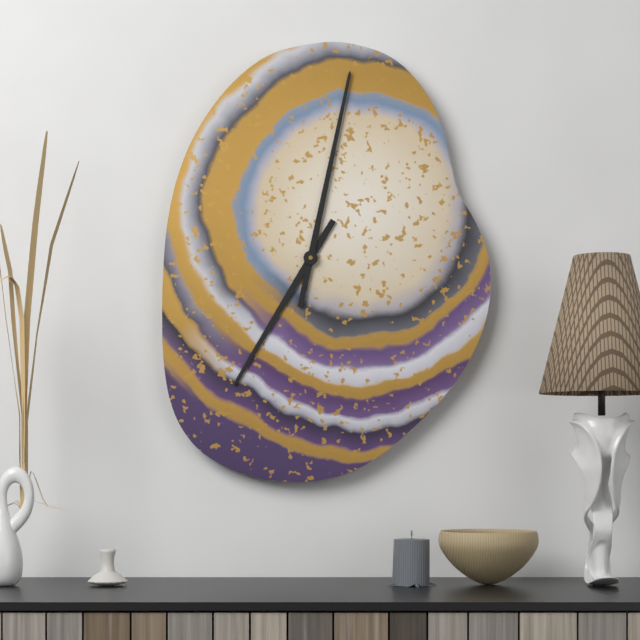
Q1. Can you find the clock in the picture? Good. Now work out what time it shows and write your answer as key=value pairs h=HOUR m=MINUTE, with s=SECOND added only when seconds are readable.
h=7 m=2
